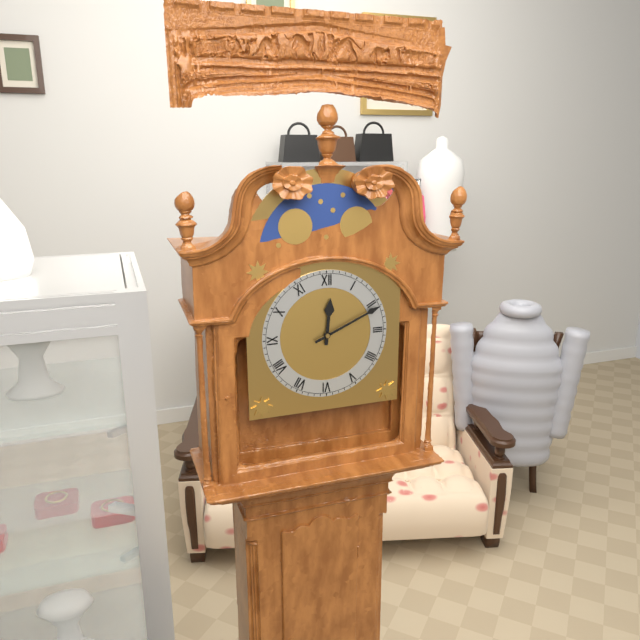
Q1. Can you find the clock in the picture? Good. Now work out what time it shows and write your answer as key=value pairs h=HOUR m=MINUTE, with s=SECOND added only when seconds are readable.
h=12 m=11
